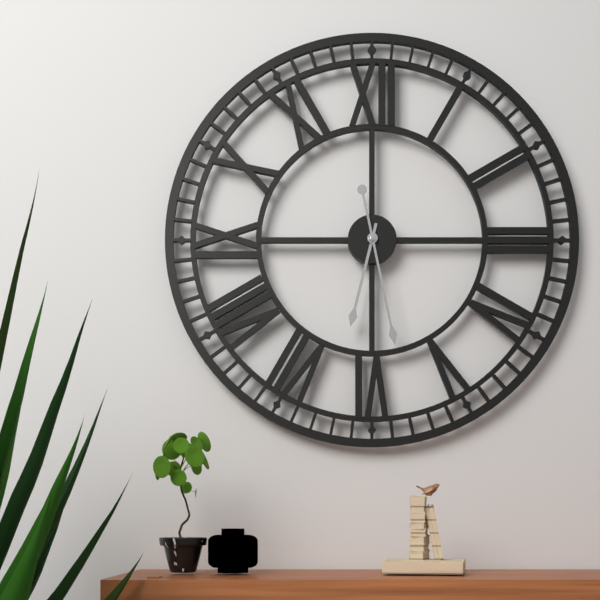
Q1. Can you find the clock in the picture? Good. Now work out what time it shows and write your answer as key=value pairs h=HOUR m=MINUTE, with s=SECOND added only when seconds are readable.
h=6 m=28
